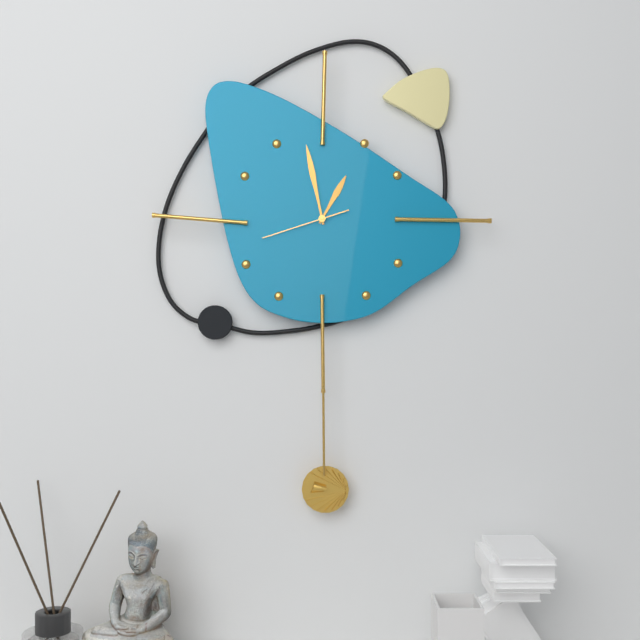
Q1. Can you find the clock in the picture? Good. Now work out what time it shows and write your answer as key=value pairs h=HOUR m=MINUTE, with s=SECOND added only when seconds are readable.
h=12 m=58 s=42
